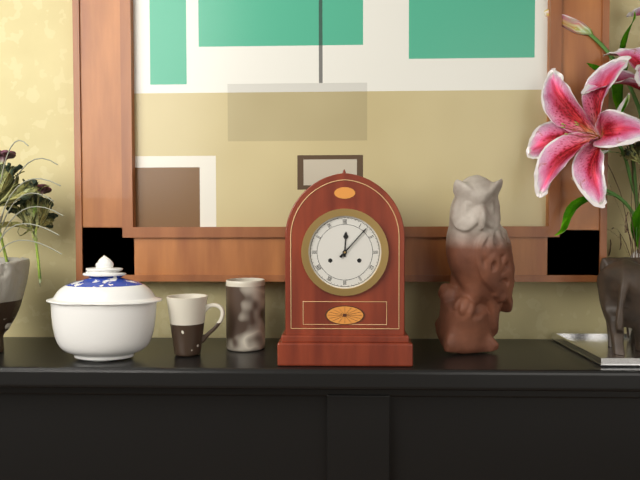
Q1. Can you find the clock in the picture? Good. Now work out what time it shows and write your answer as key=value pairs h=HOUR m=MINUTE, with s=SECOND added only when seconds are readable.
h=12 m=7
